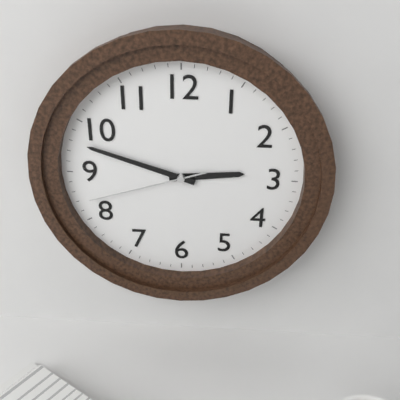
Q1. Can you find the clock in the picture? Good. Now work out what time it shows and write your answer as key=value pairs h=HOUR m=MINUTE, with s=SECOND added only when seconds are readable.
h=2 m=48 s=42
